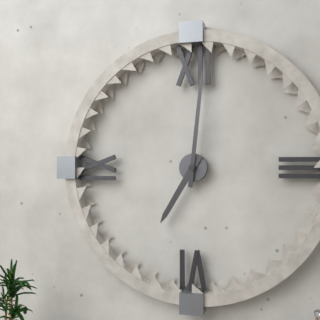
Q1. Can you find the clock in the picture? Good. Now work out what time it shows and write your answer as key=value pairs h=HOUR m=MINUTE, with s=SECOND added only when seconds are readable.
h=7 m=1
